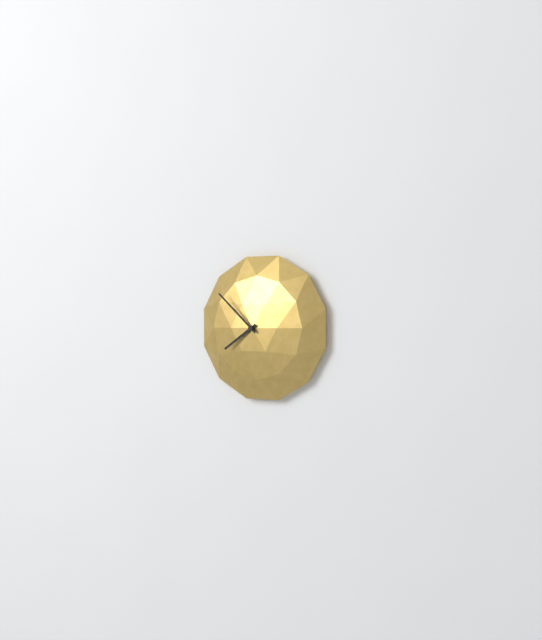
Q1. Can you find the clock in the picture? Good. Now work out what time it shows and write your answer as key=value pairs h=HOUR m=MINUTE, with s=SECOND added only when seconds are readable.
h=7 m=52
